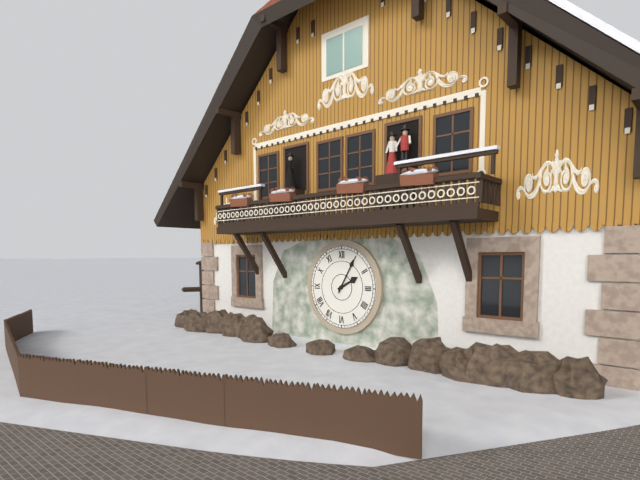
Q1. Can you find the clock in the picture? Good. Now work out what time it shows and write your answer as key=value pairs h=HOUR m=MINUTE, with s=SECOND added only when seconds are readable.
h=2 m=5
